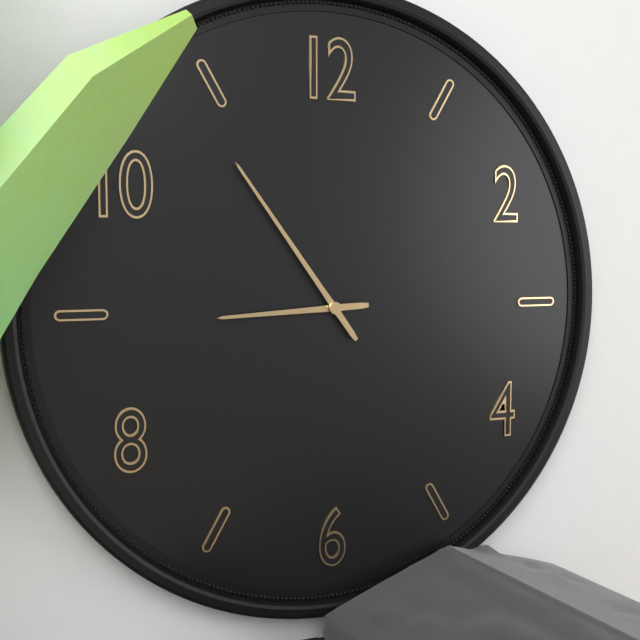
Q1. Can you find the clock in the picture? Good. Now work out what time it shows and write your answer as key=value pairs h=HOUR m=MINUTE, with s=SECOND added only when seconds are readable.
h=8 m=54
